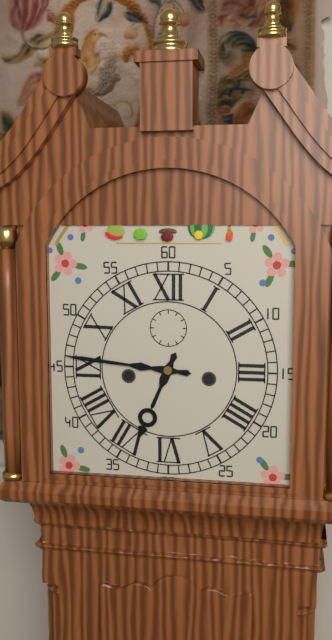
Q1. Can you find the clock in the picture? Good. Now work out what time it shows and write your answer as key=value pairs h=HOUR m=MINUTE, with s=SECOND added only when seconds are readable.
h=6 m=46
